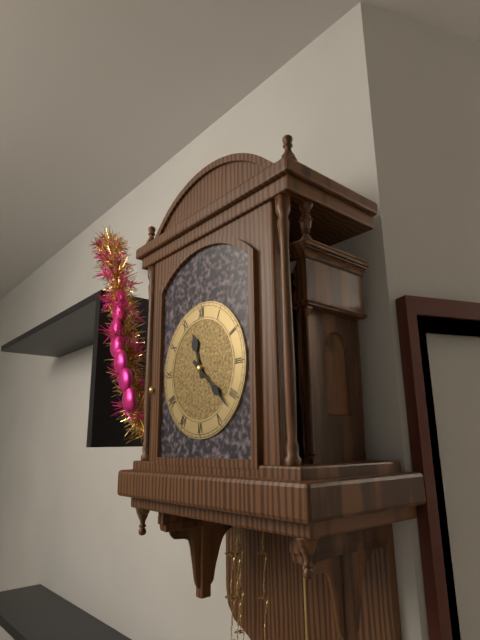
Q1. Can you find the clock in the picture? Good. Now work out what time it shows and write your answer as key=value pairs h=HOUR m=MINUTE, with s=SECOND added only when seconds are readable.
h=11 m=22
